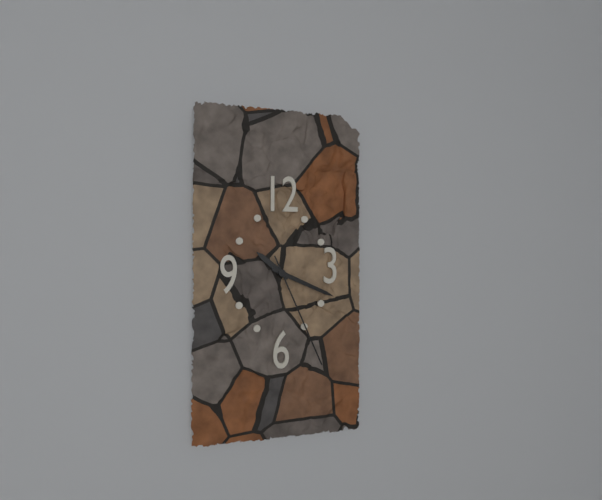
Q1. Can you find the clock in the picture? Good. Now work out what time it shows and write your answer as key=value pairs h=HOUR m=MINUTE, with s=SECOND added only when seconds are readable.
h=10 m=19 s=26
